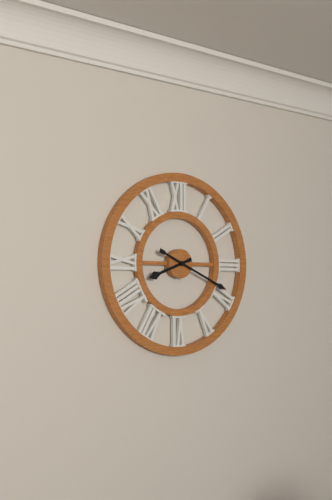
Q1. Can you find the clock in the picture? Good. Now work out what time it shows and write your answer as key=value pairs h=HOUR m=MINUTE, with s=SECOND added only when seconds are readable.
h=8 m=19
